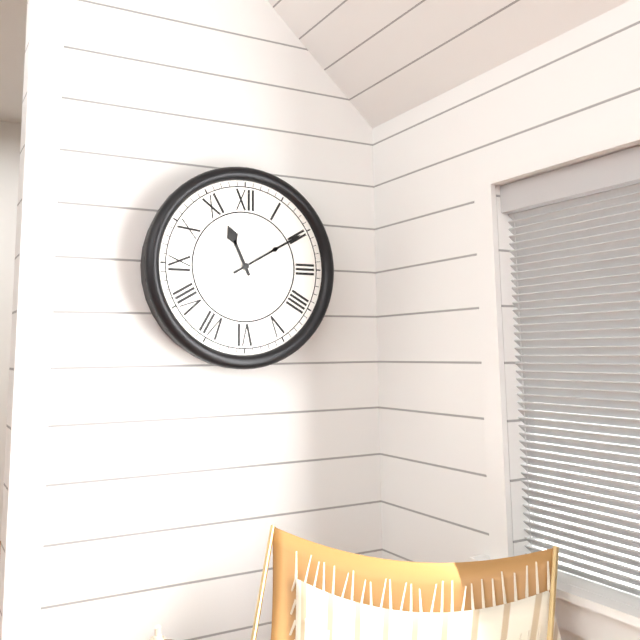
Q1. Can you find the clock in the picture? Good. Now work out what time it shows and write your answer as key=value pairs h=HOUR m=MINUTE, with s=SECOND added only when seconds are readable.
h=11 m=10
